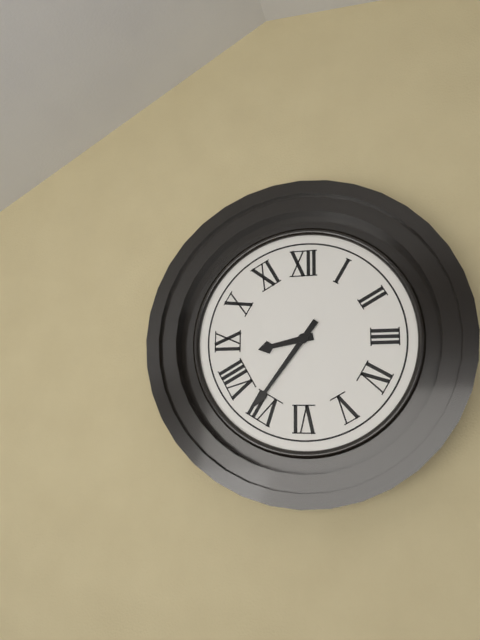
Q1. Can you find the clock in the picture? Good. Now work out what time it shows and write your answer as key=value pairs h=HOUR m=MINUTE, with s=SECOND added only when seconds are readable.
h=8 m=36
